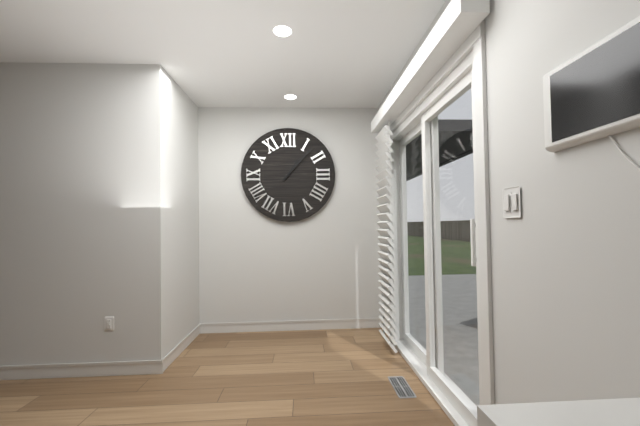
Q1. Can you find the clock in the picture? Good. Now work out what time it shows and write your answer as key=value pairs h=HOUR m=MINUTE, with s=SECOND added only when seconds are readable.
h=1 m=7
